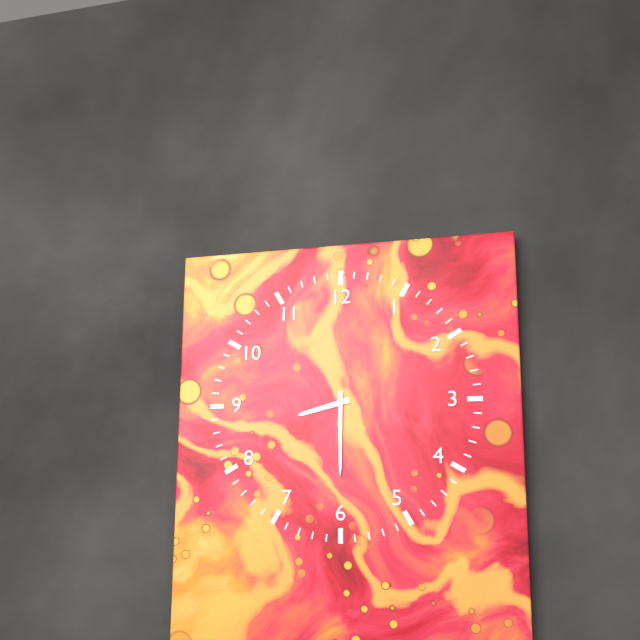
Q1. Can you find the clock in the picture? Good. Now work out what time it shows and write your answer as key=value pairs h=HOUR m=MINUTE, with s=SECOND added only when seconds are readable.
h=8 m=30
